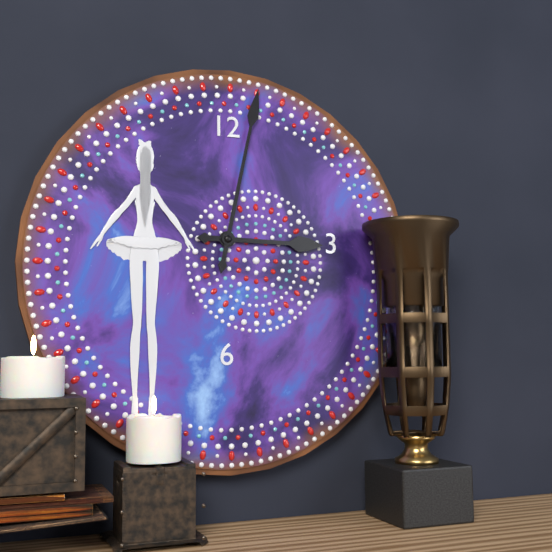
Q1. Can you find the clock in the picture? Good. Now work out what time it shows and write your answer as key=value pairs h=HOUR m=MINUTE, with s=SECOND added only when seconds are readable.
h=3 m=2
